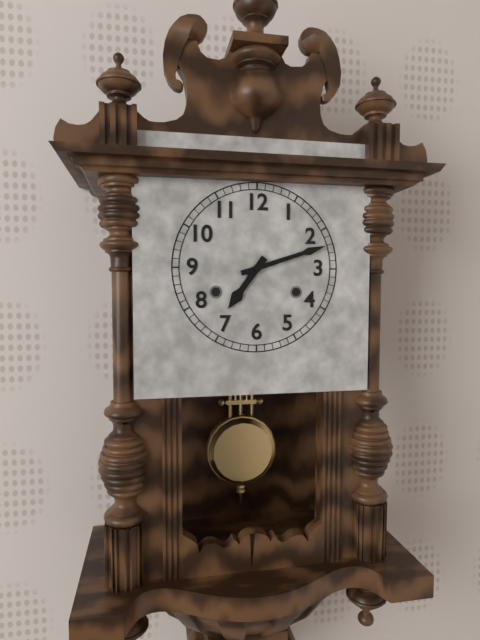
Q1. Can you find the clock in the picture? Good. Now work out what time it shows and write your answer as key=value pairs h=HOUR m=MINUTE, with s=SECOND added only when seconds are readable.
h=7 m=12
